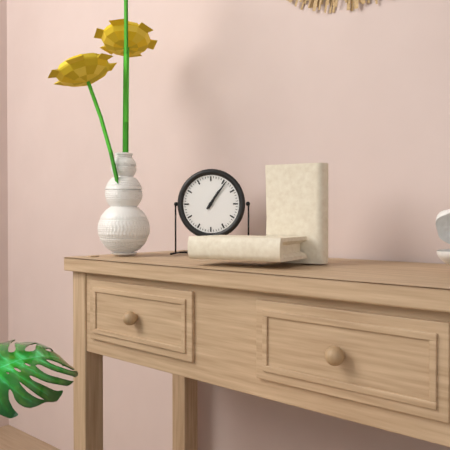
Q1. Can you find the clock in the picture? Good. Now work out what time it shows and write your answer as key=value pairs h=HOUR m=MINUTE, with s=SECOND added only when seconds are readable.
h=1 m=6
